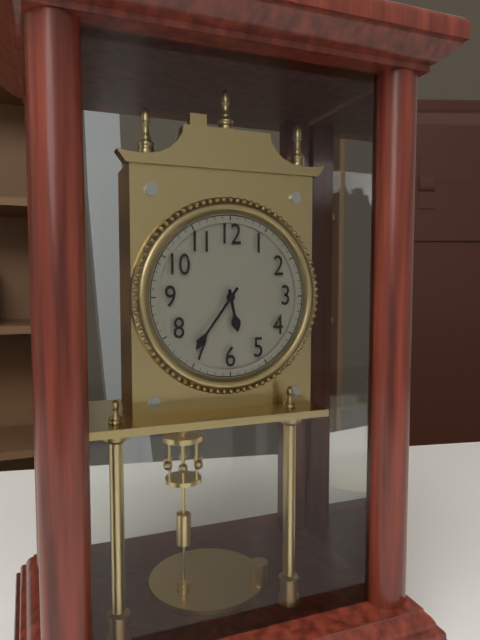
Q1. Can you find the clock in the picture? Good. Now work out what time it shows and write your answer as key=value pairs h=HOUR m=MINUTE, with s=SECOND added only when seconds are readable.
h=5 m=36
